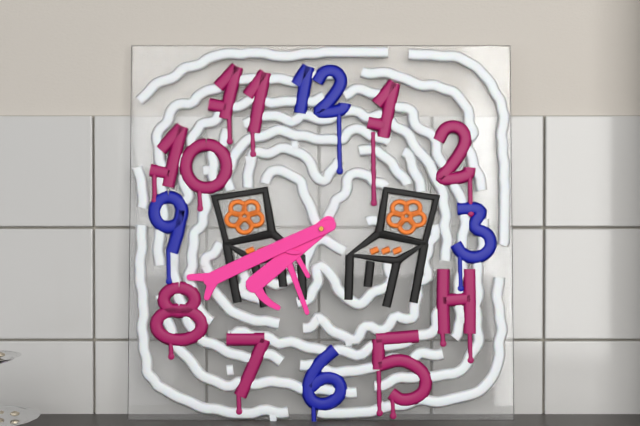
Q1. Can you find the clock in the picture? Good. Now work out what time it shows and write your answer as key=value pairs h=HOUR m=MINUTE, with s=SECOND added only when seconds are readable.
h=7 m=41
